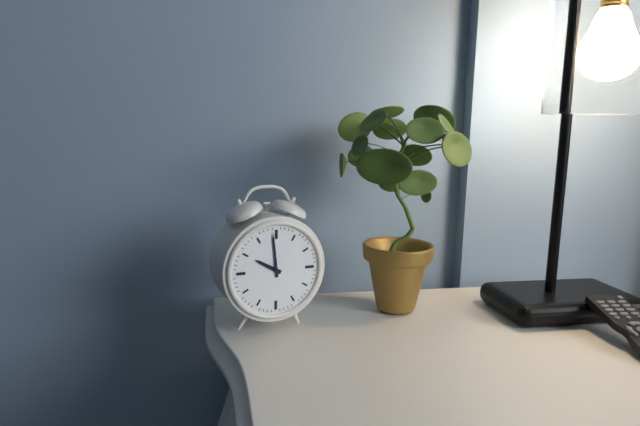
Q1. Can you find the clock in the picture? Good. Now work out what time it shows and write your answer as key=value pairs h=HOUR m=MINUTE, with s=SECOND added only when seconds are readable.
h=9 m=59
